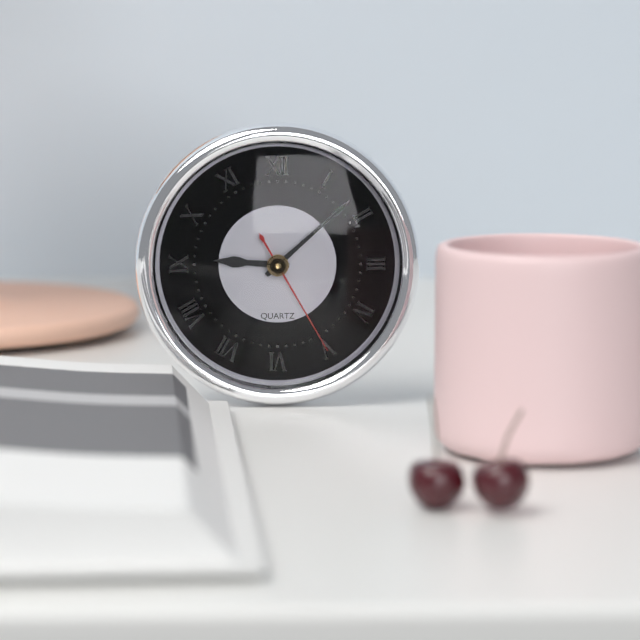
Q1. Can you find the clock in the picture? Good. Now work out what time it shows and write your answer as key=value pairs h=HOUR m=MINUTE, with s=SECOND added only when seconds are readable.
h=9 m=8 s=25
